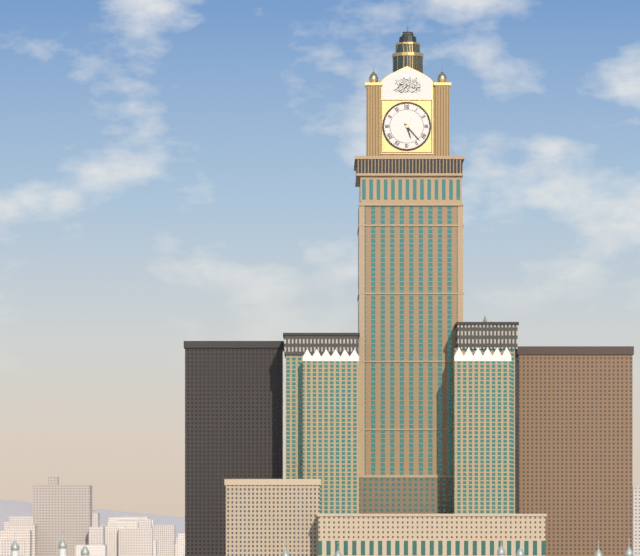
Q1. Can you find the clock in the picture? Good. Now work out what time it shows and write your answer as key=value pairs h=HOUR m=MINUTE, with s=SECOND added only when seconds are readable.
h=5 m=23
